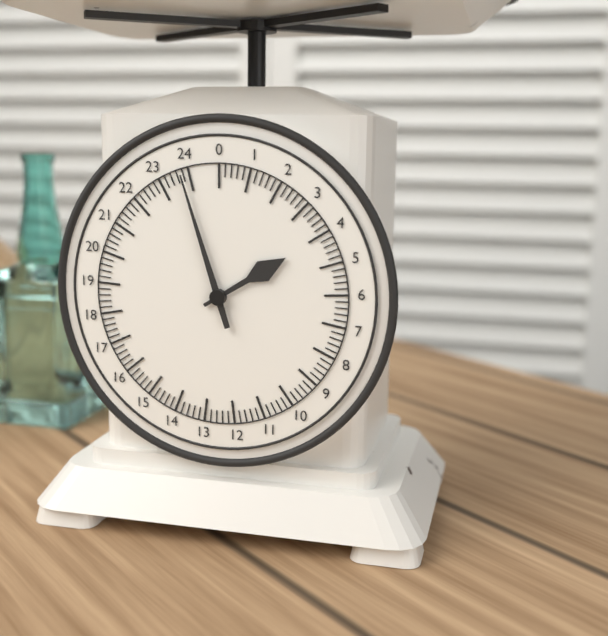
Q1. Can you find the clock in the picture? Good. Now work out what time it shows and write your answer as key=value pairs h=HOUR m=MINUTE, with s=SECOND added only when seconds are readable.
h=1 m=57
